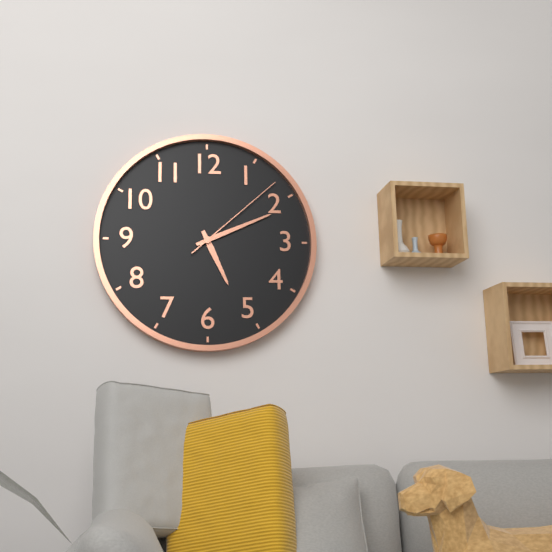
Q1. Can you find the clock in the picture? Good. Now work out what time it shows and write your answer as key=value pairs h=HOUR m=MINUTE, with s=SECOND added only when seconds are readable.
h=5 m=11 s=8
